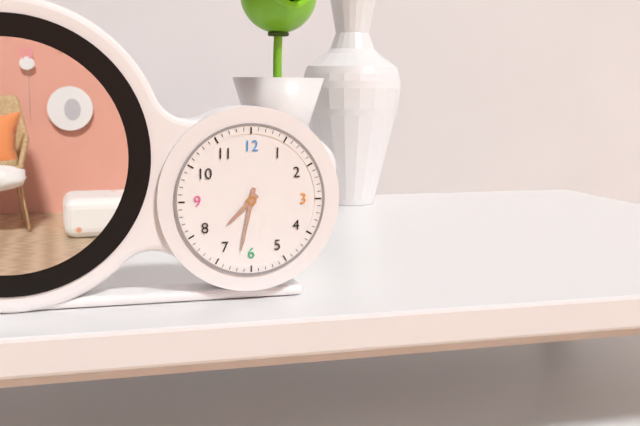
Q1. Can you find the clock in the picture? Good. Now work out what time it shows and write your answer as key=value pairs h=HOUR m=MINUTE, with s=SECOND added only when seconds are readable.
h=7 m=32
